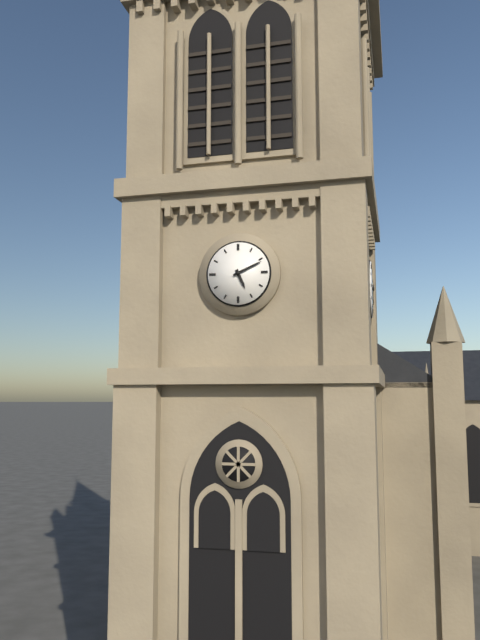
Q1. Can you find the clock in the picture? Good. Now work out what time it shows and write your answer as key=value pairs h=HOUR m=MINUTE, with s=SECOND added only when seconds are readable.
h=5 m=11
